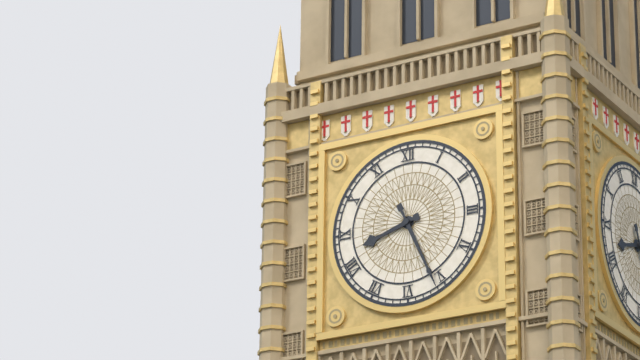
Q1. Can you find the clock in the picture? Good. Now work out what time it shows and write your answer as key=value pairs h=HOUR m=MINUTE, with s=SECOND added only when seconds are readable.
h=8 m=26
